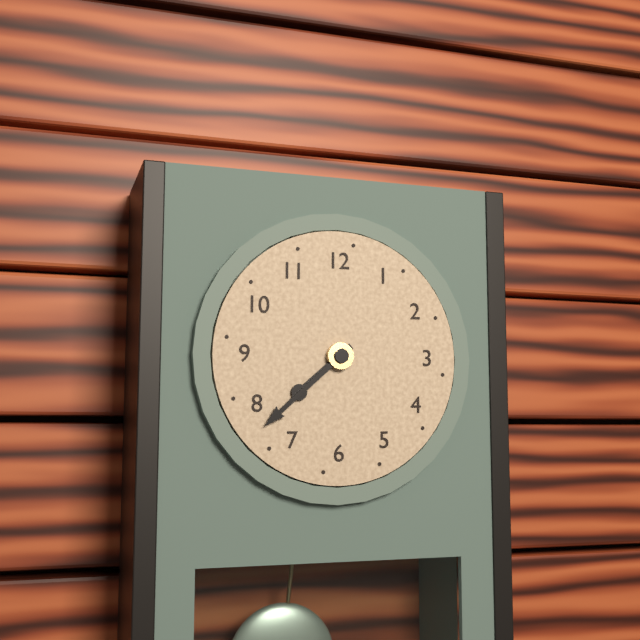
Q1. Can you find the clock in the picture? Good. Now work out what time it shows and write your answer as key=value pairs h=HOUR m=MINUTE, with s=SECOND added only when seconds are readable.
h=7 m=38
